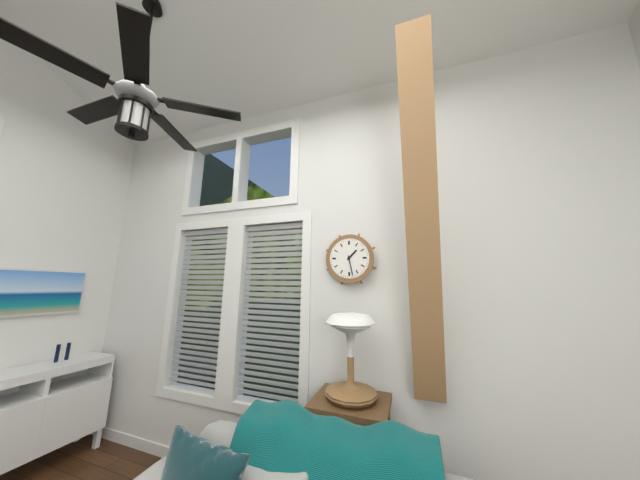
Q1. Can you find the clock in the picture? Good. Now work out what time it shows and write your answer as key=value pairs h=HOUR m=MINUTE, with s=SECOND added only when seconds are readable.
h=1 m=28
